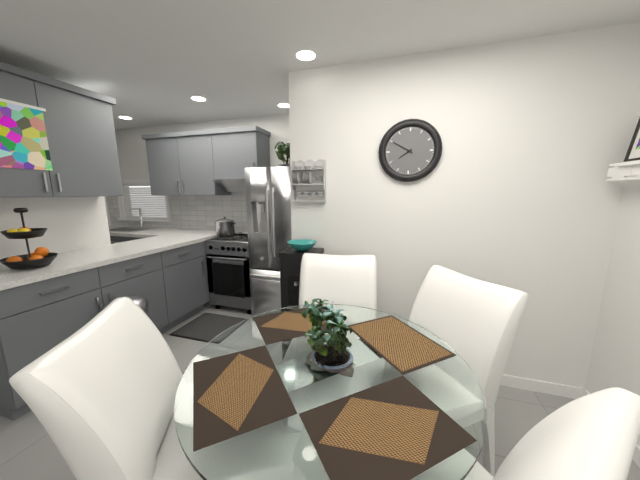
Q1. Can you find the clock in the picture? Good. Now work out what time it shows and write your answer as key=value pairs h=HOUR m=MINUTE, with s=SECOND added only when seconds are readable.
h=7 m=50
